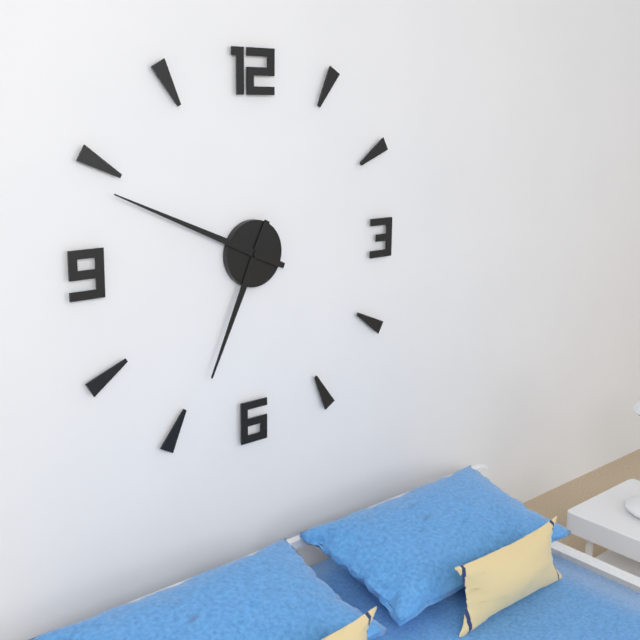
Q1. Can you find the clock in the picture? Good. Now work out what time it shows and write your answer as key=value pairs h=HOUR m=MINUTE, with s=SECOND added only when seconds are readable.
h=6 m=49
